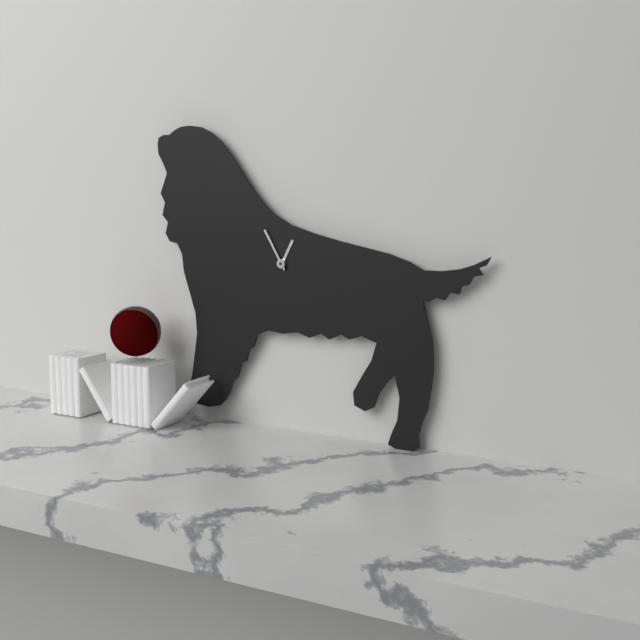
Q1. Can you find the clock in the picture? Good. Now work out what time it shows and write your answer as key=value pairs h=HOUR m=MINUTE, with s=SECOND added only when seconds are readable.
h=12 m=55
